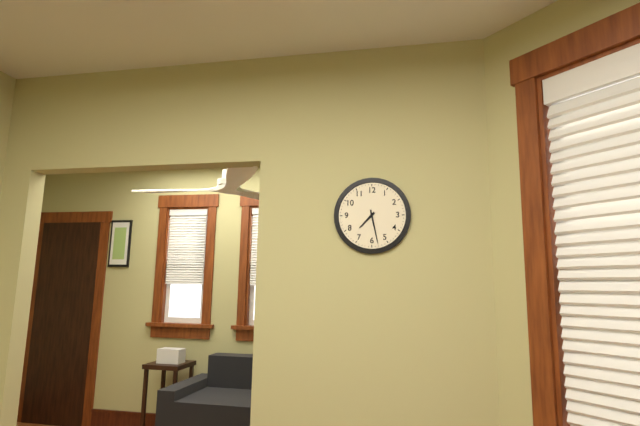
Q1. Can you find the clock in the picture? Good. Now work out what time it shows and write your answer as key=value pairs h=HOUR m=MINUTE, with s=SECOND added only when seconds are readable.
h=7 m=28
